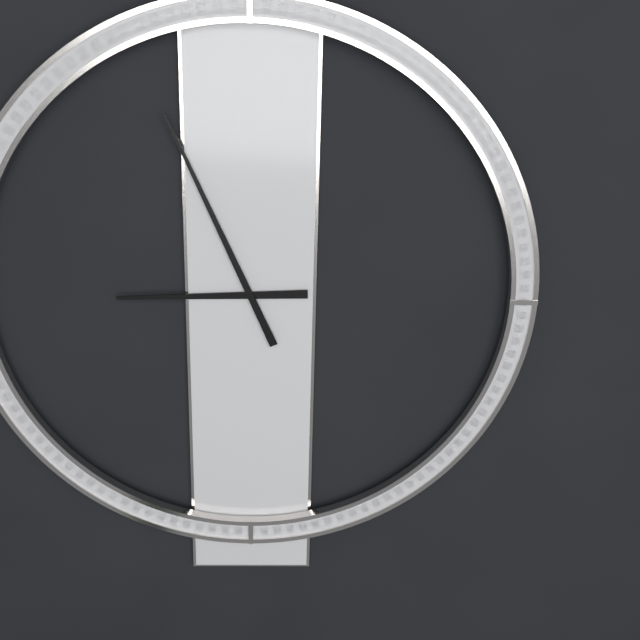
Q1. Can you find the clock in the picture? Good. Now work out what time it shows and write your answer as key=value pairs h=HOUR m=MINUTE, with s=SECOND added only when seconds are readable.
h=8 m=56
